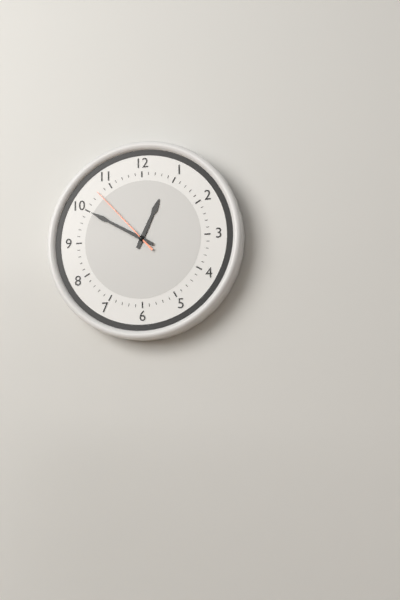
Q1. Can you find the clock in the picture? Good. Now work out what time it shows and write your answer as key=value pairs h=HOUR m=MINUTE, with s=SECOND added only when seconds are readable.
h=12 m=50 s=53
